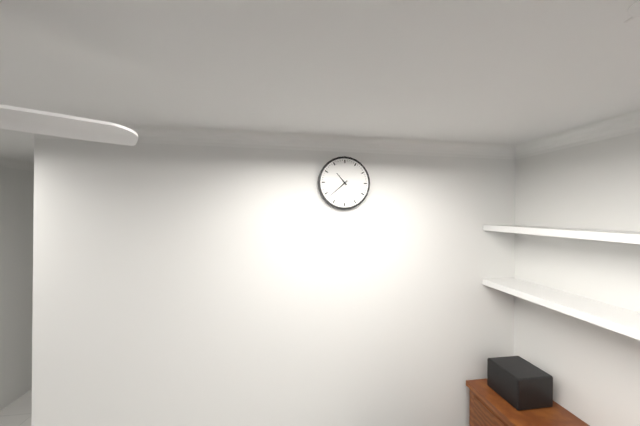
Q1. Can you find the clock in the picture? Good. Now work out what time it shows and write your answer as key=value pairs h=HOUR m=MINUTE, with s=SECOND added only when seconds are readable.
h=10 m=38
